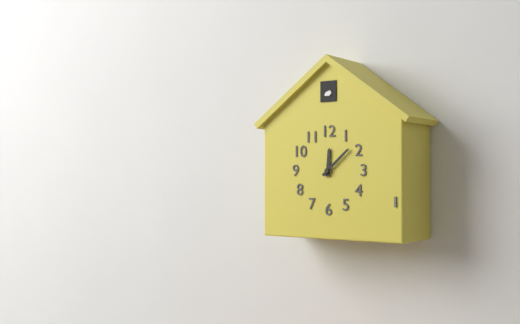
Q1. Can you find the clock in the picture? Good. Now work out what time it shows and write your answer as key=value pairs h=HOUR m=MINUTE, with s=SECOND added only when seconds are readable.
h=12 m=8
